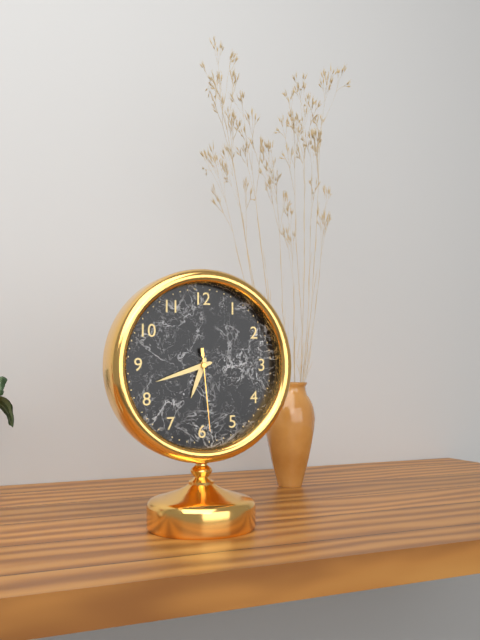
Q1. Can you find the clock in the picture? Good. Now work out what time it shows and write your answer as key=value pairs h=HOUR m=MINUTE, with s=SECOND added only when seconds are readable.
h=6 m=42 s=29
